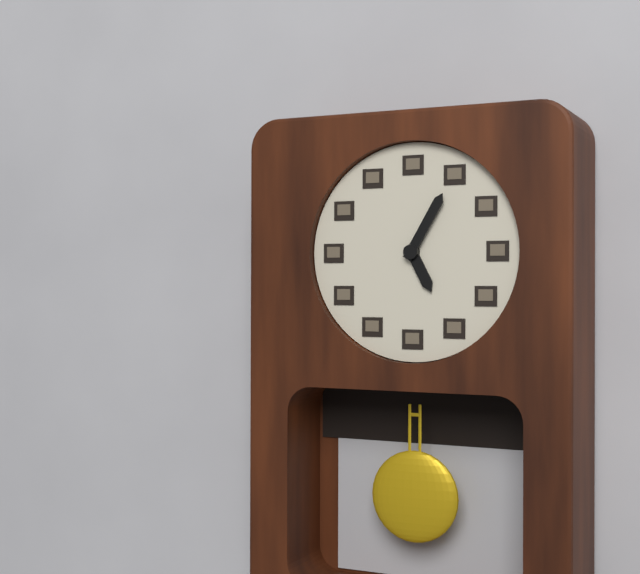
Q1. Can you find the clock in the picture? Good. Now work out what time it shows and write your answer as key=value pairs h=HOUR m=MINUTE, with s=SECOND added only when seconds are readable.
h=5 m=5
